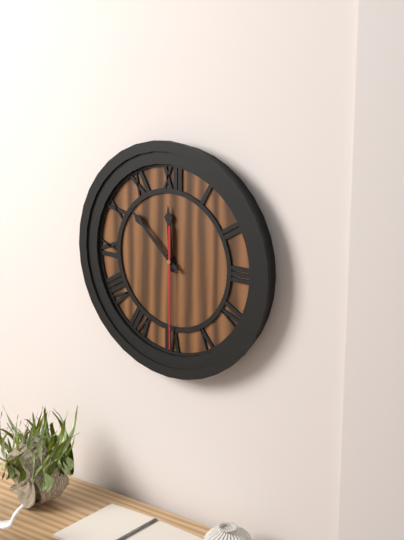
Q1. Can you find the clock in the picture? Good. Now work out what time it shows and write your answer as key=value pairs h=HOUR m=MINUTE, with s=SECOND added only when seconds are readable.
h=11 m=52 s=30
